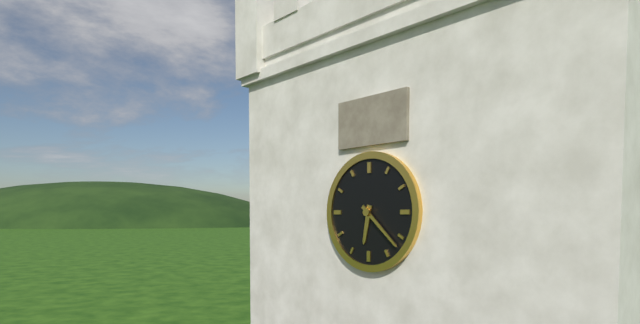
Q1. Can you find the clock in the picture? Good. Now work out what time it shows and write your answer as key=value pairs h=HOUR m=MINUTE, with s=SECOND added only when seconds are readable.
h=6 m=22
